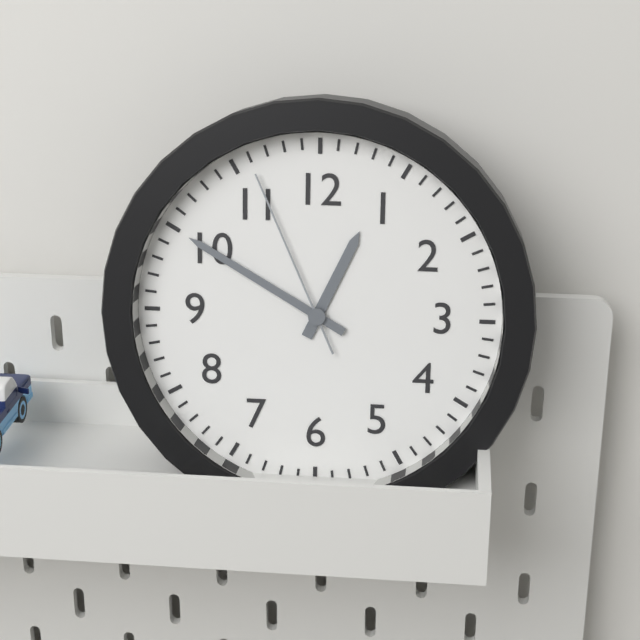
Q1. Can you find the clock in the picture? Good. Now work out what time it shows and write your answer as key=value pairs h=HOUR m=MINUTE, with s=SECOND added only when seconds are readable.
h=12 m=50 s=56
